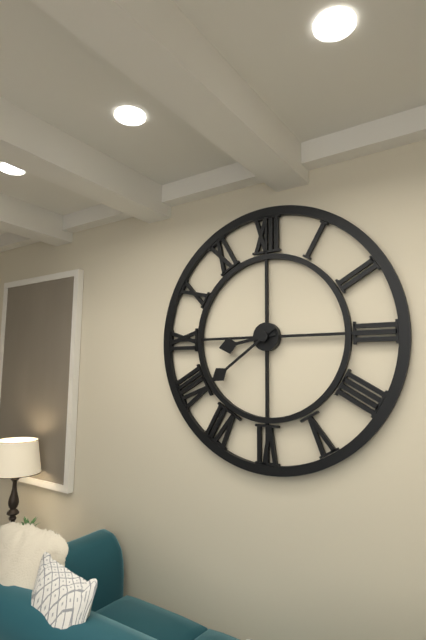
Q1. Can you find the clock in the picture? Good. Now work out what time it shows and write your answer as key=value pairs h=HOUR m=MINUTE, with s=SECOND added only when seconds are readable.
h=8 m=39
